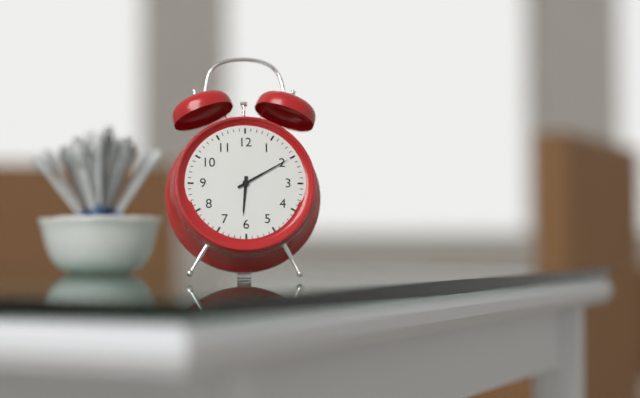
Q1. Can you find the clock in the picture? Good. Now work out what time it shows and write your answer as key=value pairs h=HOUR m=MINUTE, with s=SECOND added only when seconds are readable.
h=6 m=10
